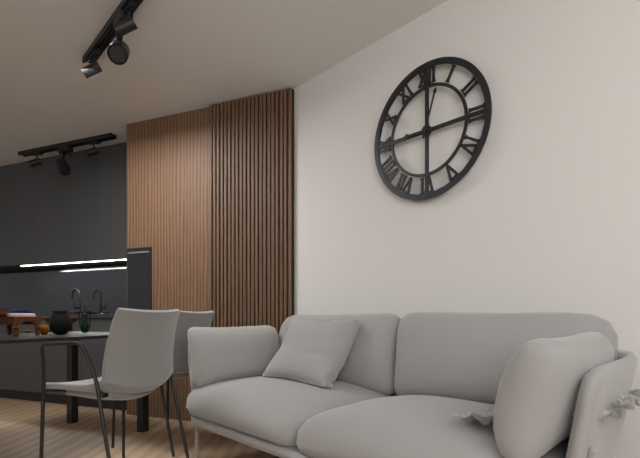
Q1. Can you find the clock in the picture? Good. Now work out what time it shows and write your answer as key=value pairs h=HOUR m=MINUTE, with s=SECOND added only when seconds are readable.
h=9 m=3
